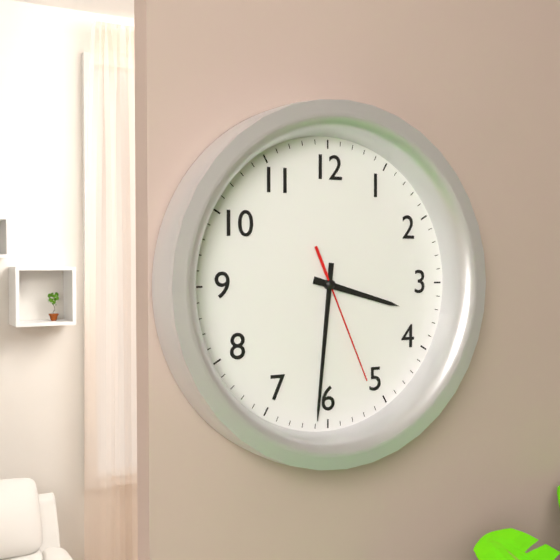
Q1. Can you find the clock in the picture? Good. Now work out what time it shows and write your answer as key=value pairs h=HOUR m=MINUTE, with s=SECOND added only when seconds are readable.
h=3 m=31 s=26
